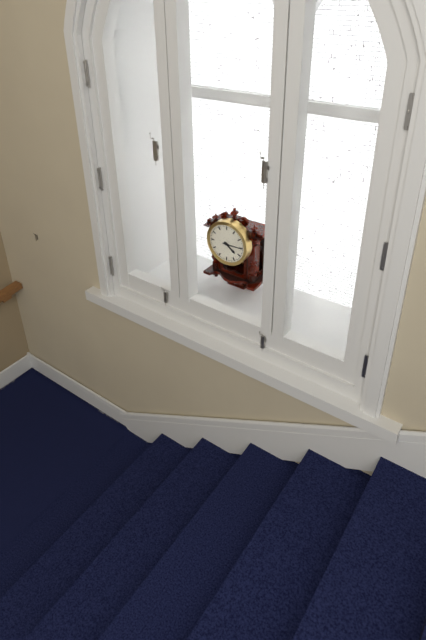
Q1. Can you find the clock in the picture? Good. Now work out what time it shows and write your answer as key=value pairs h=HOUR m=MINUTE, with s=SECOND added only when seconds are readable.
h=4 m=15
